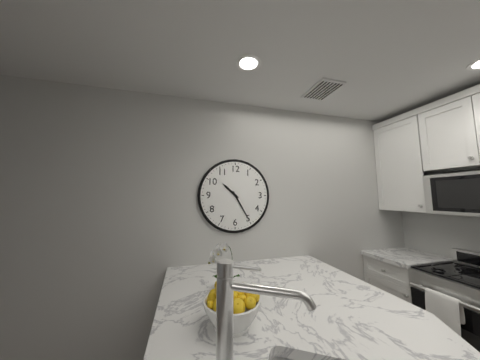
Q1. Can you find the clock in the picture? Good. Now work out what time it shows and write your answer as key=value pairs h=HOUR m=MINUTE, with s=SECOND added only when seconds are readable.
h=10 m=25
